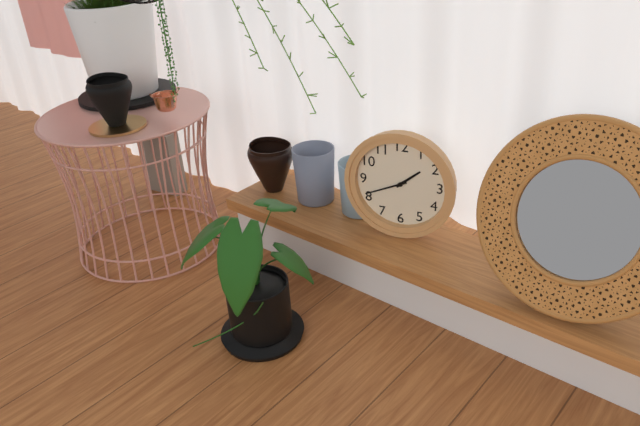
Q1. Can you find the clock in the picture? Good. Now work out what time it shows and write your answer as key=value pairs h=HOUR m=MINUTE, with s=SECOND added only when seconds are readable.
h=1 m=41
